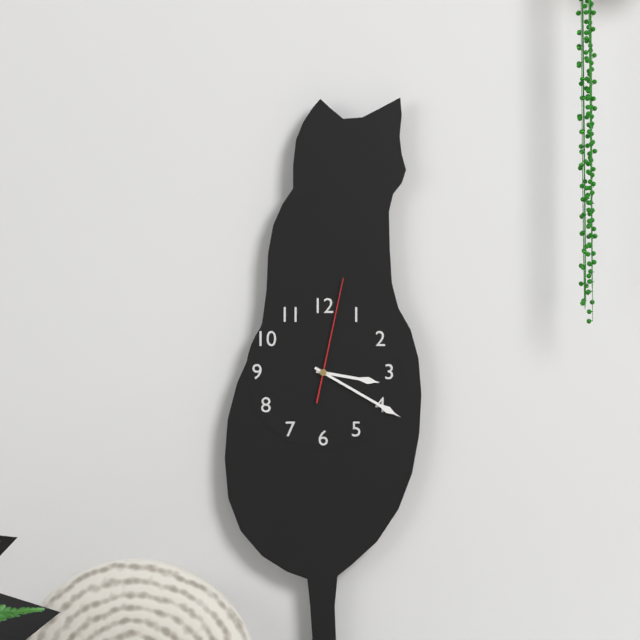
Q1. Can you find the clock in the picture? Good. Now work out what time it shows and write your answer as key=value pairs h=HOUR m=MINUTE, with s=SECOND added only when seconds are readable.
h=3 m=20 s=2
